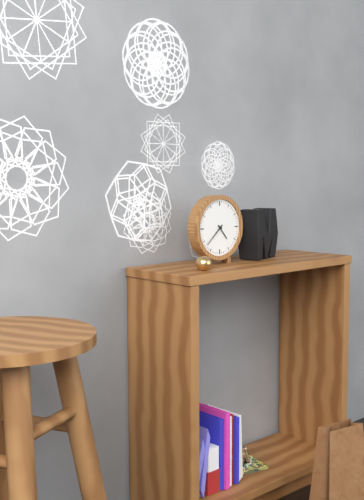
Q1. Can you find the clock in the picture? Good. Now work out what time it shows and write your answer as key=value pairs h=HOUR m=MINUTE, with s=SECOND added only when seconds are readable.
h=4 m=38
